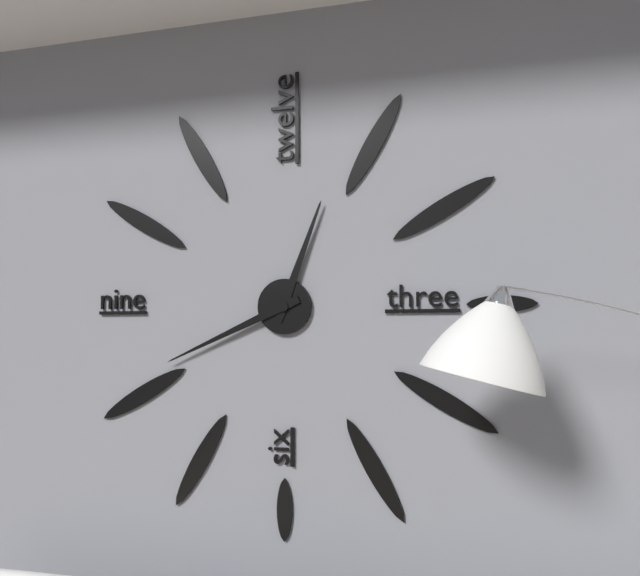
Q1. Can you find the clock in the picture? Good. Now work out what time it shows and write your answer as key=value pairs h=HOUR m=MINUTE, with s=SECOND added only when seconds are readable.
h=12 m=41
